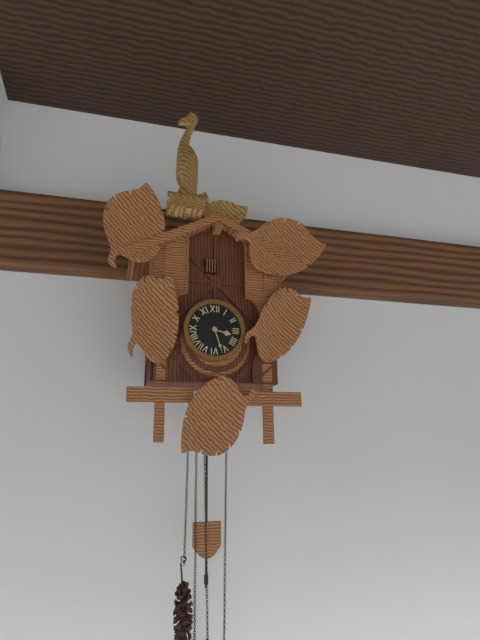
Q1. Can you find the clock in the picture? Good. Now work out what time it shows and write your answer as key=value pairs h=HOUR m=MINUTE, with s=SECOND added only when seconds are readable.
h=3 m=27
